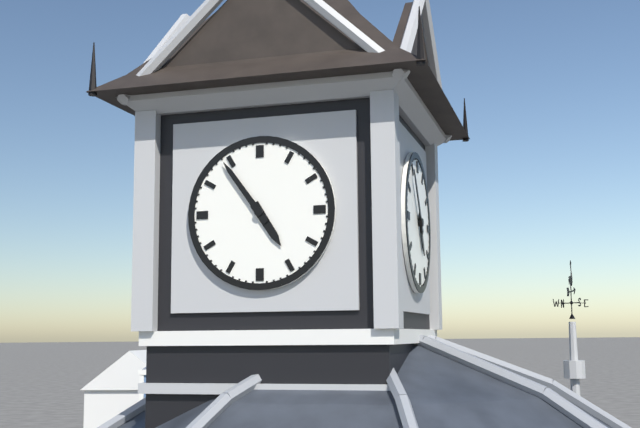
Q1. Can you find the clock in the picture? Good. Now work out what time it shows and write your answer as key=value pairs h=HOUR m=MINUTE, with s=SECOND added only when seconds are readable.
h=4 m=54
